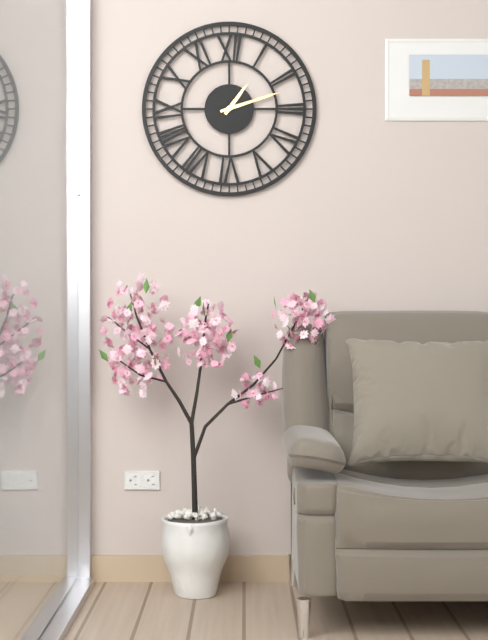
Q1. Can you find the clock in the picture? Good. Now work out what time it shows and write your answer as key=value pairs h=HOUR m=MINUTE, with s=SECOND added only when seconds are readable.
h=1 m=12
